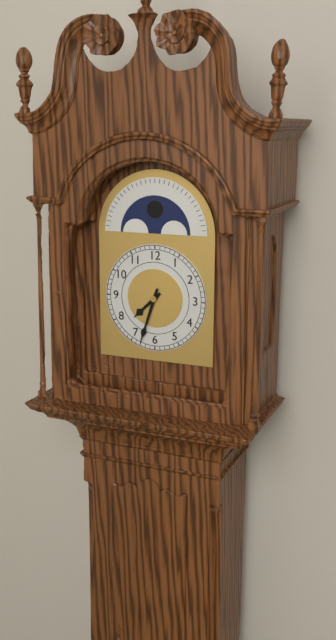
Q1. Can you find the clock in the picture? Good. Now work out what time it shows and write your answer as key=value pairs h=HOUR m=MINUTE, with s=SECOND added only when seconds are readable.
h=7 m=33
